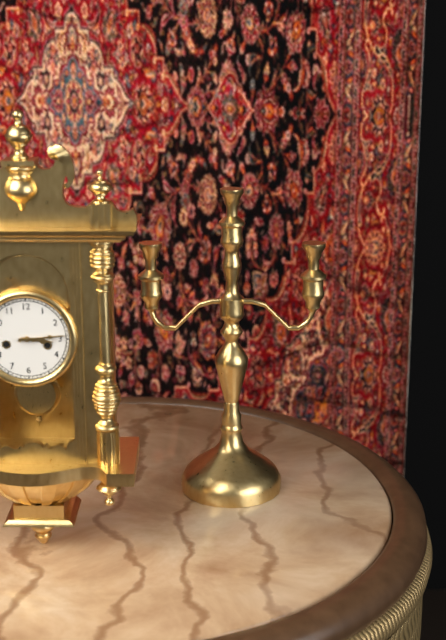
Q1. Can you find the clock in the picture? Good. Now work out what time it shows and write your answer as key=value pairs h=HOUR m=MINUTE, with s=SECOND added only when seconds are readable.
h=3 m=14
